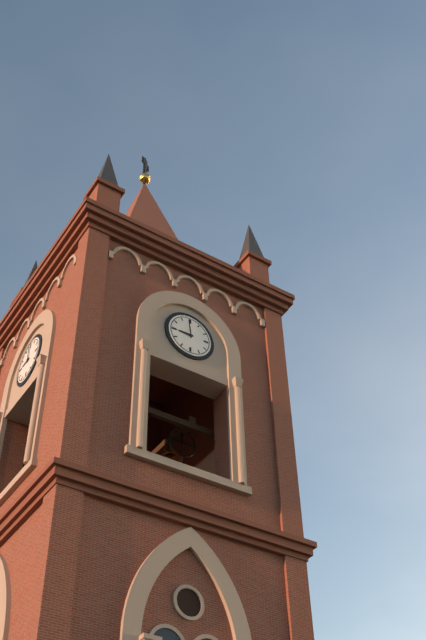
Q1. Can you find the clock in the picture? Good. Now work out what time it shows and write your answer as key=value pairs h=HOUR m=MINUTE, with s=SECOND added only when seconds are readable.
h=8 m=59
